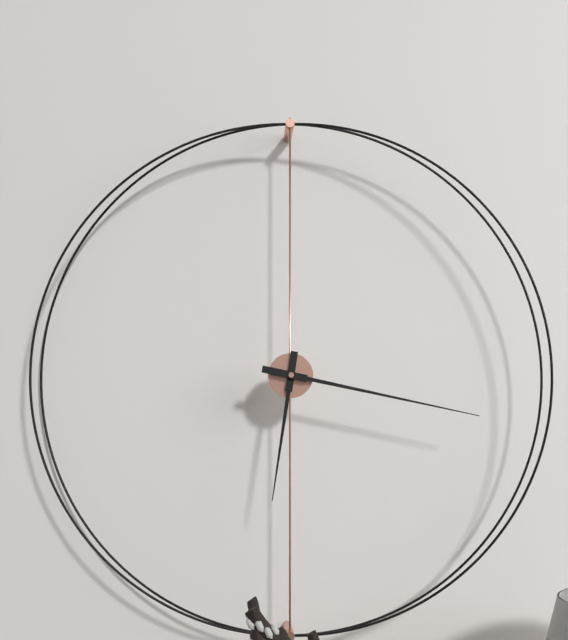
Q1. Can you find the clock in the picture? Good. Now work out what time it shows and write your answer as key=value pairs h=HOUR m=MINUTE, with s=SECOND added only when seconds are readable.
h=6 m=17
